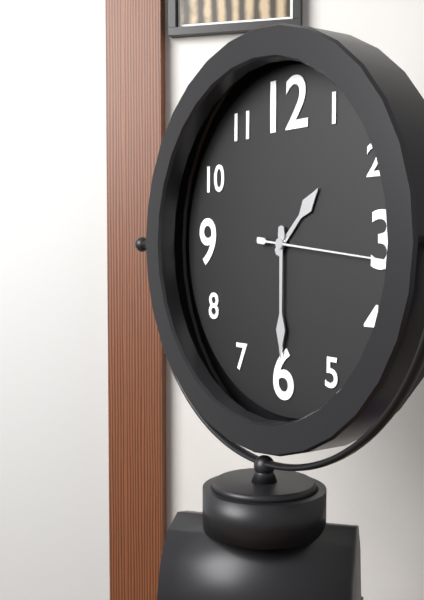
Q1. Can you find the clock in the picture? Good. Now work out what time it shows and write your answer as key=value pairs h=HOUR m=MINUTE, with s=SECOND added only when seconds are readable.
h=1 m=30 s=16
